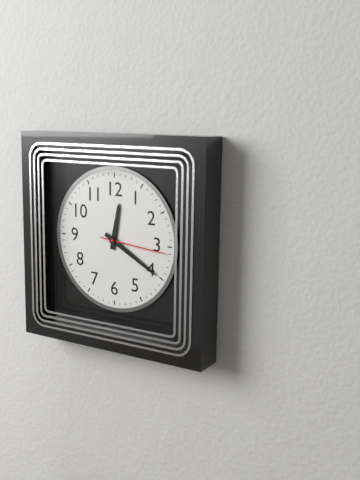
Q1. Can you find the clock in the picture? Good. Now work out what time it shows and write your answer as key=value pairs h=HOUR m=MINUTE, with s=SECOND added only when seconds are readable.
h=12 m=20 s=16
